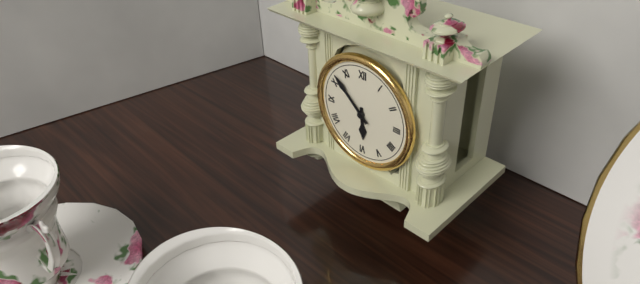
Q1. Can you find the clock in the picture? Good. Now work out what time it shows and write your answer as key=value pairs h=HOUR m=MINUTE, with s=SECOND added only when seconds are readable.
h=5 m=52
